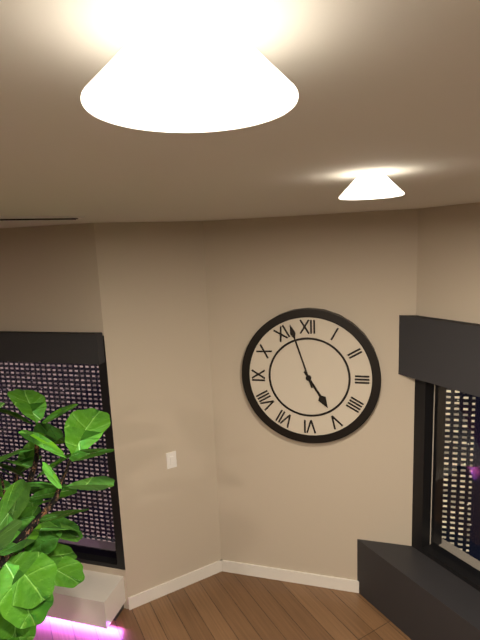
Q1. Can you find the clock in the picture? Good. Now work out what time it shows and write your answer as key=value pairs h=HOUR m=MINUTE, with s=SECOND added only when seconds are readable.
h=4 m=57
